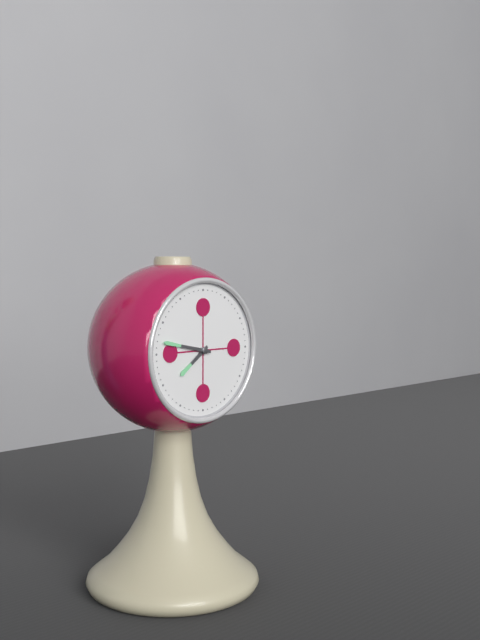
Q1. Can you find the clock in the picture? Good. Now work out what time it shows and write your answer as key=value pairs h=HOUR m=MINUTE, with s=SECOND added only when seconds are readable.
h=7 m=47
